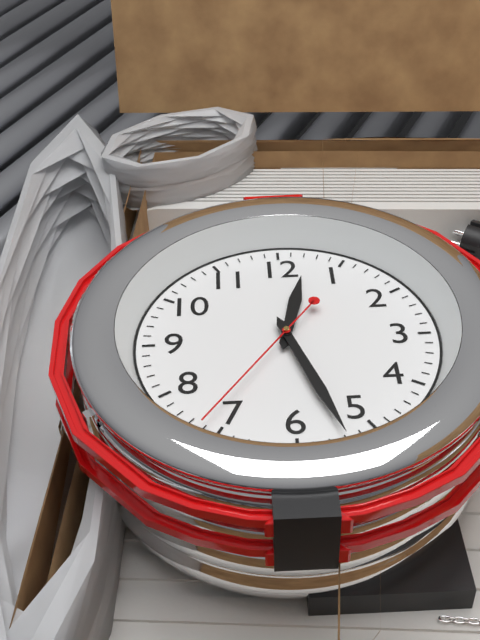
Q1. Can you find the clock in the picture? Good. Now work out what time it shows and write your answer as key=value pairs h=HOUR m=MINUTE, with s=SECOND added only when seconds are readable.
h=12 m=27 s=36
